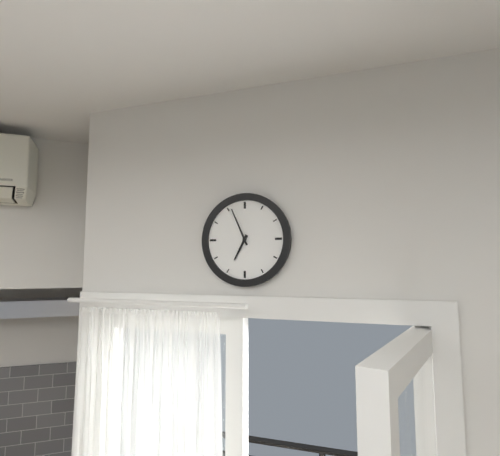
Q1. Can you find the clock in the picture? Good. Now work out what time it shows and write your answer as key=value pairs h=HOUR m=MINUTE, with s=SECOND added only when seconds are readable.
h=6 m=56
